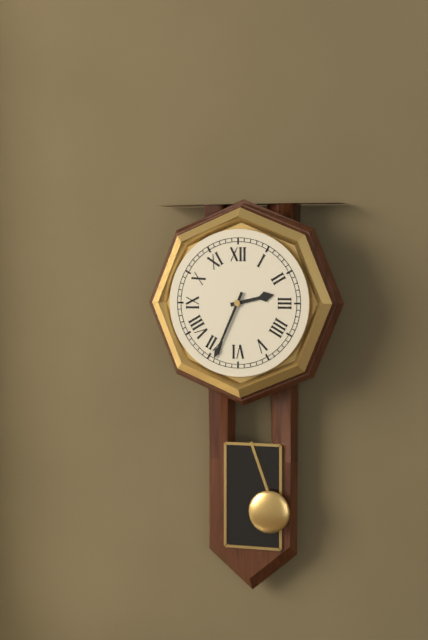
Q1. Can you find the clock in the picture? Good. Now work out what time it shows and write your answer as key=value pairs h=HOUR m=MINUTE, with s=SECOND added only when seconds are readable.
h=2 m=34
